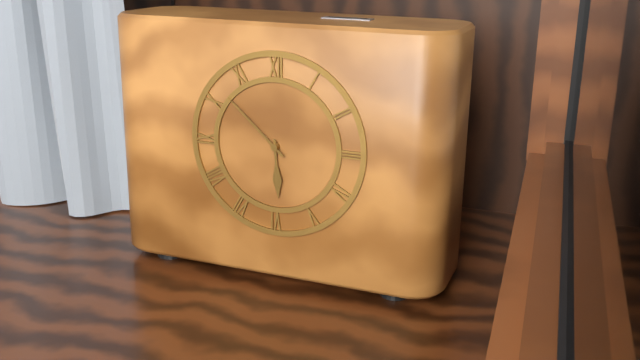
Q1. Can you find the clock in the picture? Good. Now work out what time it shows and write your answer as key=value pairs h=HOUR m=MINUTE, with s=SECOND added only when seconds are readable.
h=5 m=52
